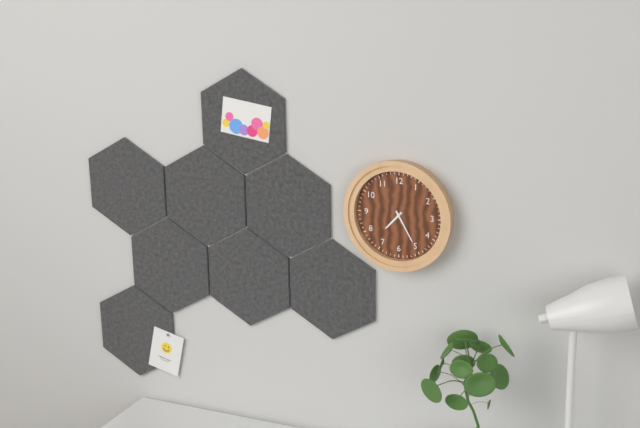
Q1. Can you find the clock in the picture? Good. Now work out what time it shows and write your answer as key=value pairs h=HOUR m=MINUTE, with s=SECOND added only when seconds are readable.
h=7 m=25
